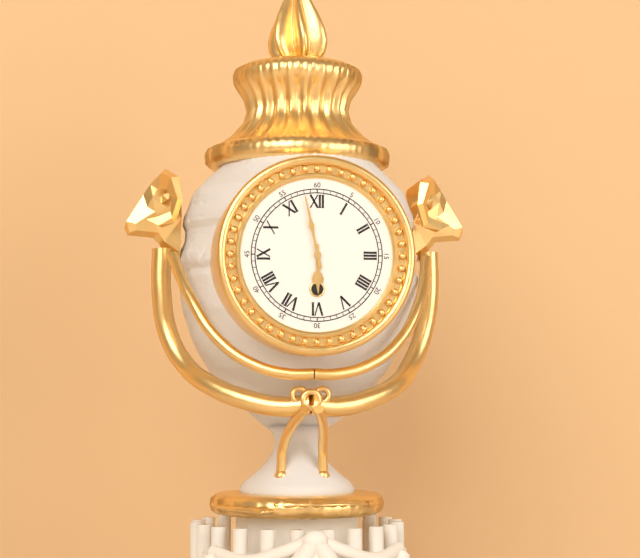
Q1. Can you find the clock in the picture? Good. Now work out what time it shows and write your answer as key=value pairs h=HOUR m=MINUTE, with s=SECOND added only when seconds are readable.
h=5 m=58
